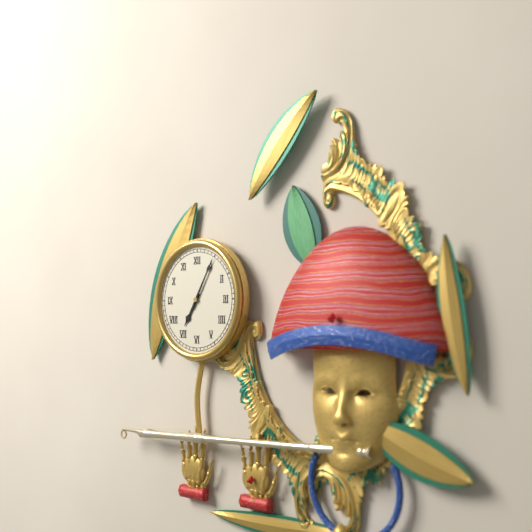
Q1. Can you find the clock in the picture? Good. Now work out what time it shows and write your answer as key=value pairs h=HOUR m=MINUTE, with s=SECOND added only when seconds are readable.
h=7 m=5
